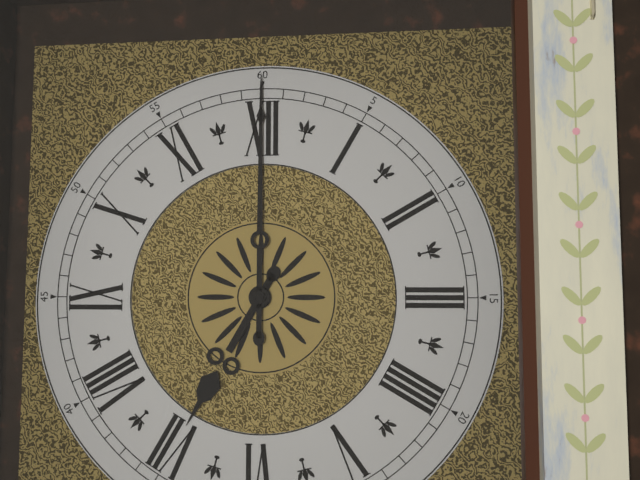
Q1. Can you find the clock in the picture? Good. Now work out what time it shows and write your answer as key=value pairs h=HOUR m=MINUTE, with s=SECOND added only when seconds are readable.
h=7 m=0
